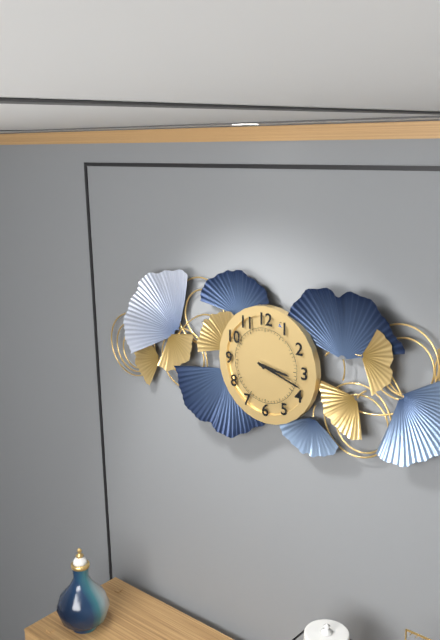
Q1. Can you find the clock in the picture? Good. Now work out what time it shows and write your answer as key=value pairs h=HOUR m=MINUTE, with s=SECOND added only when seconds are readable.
h=3 m=18
